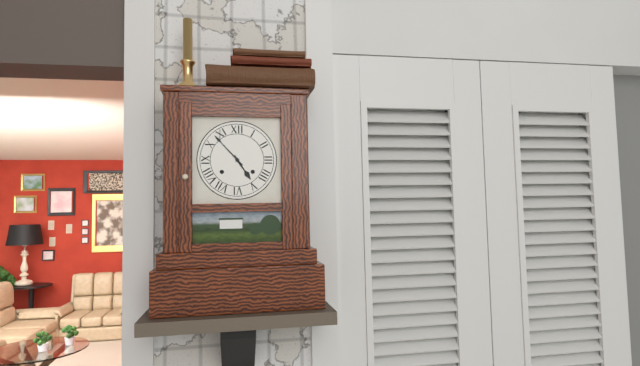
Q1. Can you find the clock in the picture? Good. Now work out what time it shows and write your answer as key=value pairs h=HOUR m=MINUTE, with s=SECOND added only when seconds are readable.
h=4 m=53
